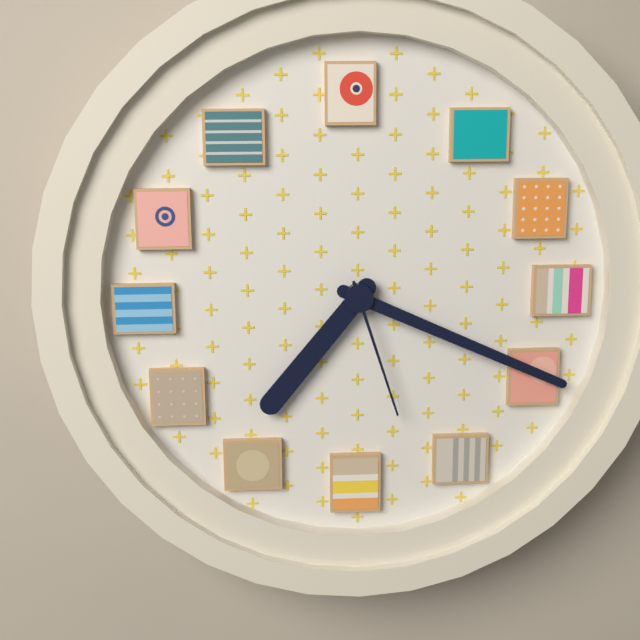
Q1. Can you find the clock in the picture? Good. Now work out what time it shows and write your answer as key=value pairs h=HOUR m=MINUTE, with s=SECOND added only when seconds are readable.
h=7 m=19 s=27
